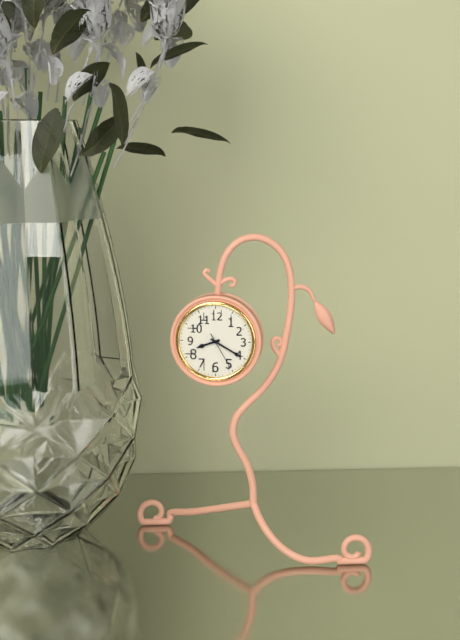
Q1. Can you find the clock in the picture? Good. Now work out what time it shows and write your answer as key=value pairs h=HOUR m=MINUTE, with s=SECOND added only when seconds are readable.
h=8 m=20
